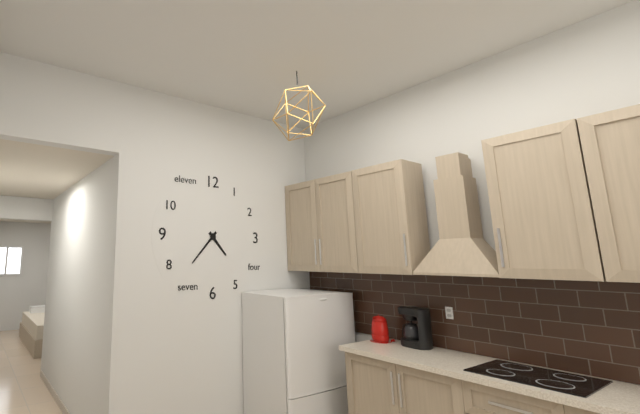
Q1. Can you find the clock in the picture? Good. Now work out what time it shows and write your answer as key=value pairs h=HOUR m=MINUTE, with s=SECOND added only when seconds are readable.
h=4 m=37
